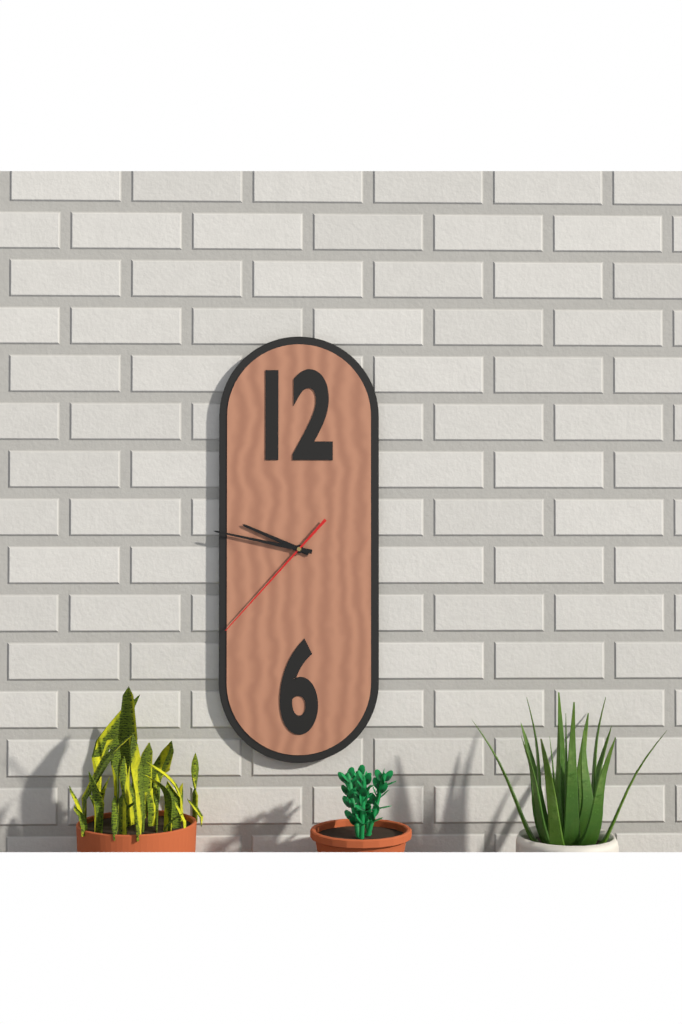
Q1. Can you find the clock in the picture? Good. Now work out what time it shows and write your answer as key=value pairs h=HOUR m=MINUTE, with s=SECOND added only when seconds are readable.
h=9 m=47 s=37
